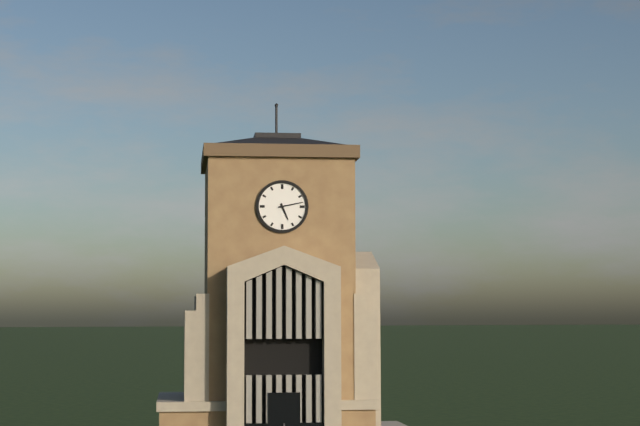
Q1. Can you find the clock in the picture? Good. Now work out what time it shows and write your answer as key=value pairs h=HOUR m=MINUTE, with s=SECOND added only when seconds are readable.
h=5 m=13
